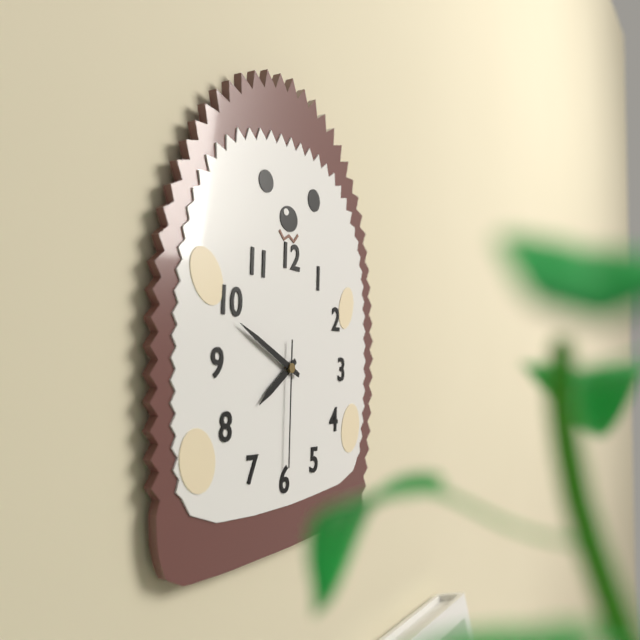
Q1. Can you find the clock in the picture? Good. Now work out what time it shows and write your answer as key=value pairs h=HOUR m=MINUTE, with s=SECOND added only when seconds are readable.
h=7 m=49 s=30
